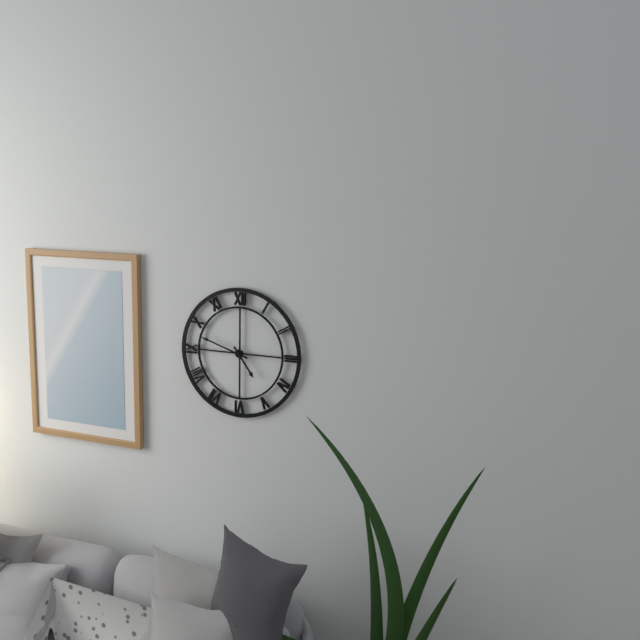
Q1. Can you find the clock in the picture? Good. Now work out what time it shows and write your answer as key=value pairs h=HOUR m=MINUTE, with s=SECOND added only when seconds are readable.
h=4 m=48
